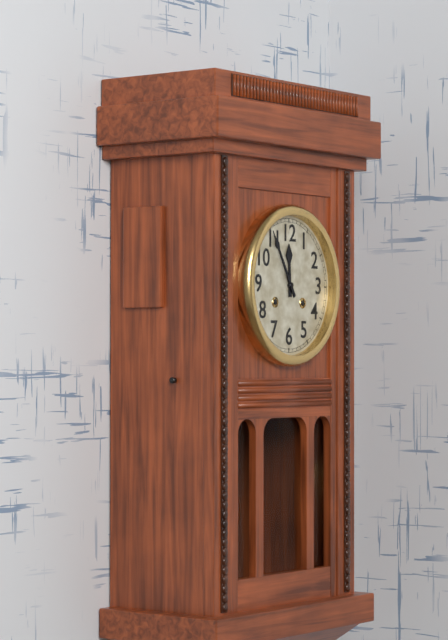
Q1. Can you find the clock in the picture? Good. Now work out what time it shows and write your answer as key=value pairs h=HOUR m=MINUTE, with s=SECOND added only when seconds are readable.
h=11 m=55
